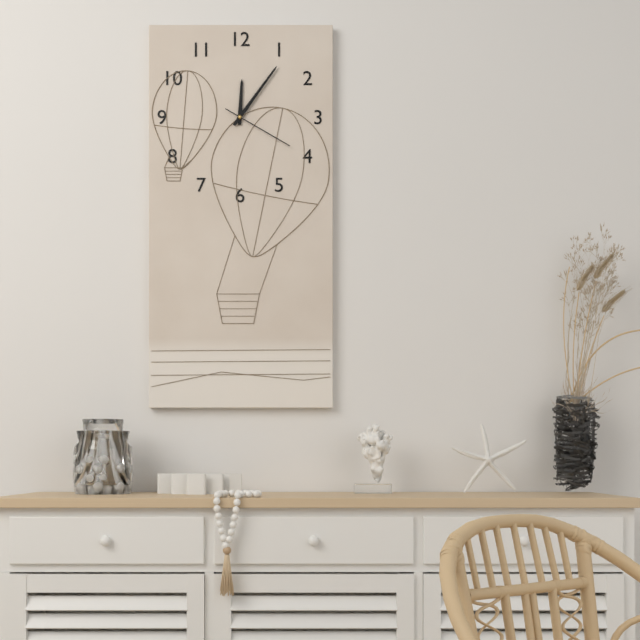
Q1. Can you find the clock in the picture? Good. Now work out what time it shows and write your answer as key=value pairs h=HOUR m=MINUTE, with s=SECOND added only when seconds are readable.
h=12 m=6 s=20
